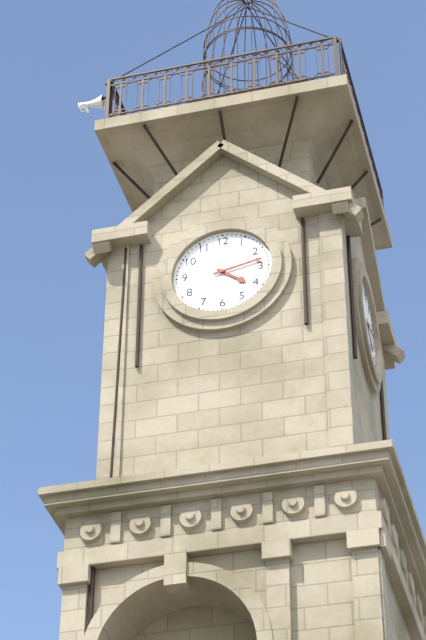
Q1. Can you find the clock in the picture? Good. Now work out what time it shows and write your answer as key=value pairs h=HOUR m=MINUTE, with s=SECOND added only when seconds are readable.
h=4 m=13
